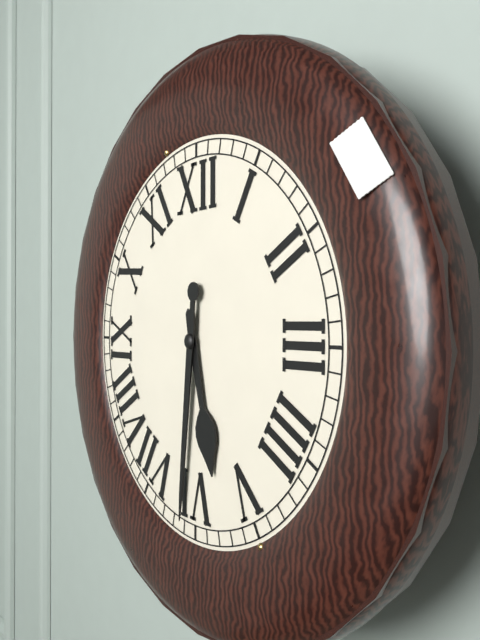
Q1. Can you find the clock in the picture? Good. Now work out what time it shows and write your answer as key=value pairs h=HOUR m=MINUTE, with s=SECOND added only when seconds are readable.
h=5 m=31
